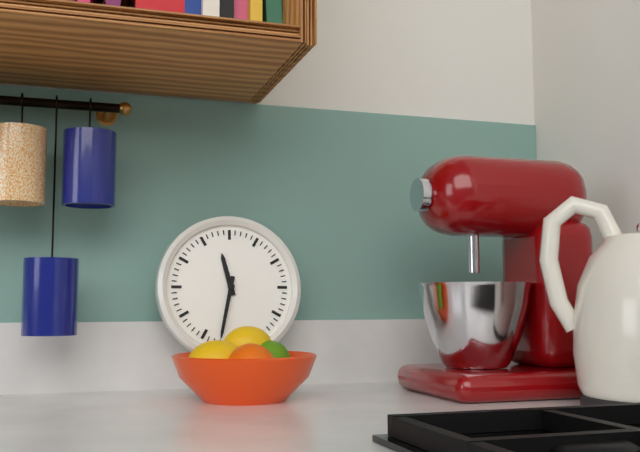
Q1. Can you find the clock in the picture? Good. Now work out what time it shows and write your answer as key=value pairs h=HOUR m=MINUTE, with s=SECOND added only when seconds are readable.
h=11 m=32
